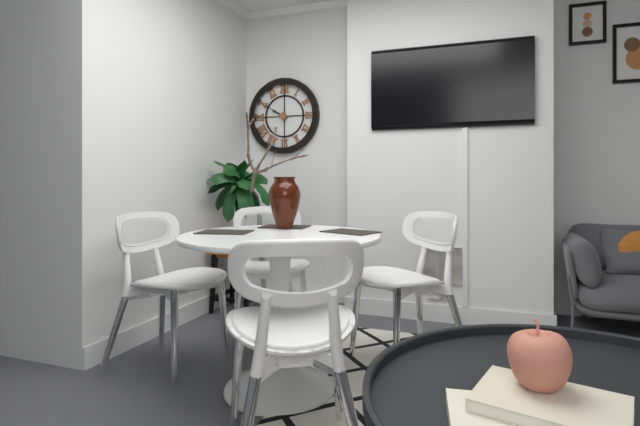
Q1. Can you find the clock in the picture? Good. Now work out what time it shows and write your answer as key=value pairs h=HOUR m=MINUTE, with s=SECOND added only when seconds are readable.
h=9 m=50
